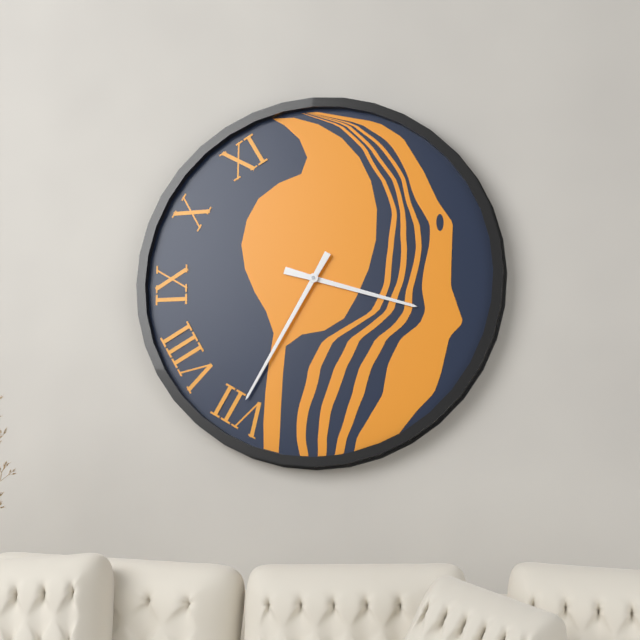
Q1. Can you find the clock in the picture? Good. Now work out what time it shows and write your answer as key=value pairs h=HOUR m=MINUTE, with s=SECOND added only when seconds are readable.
h=3 m=35
